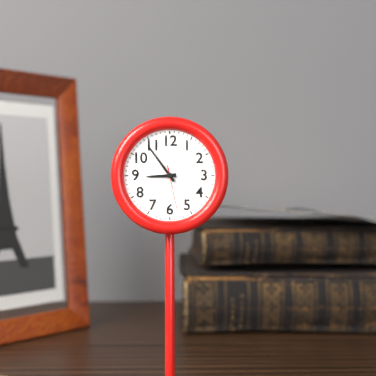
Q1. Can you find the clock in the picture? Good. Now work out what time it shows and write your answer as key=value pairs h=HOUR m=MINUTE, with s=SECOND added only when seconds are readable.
h=8 m=54 s=28
